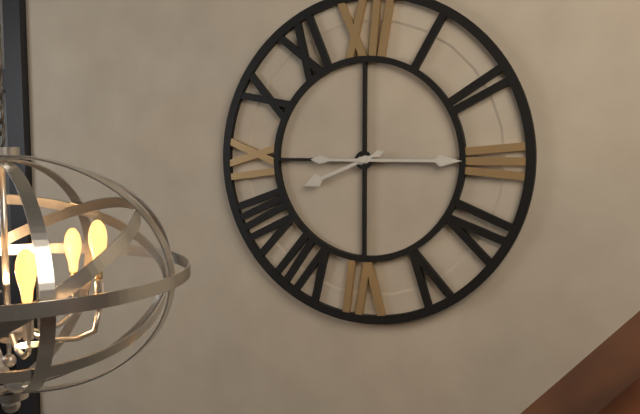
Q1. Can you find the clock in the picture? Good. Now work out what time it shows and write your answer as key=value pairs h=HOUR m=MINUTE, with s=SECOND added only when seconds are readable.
h=8 m=15
